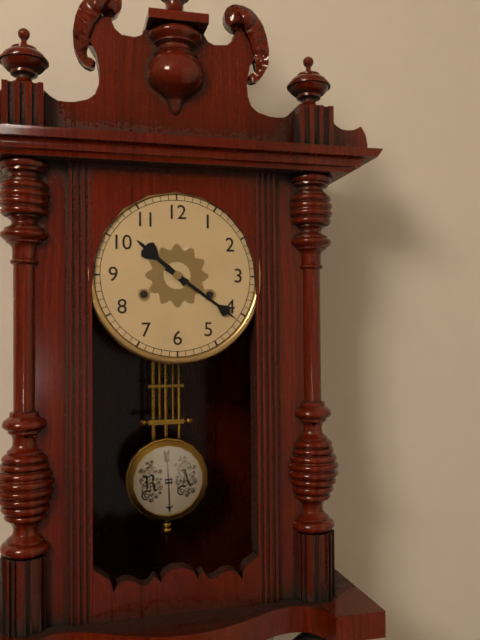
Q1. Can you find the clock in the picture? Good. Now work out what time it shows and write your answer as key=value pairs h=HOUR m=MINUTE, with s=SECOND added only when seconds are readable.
h=10 m=21
